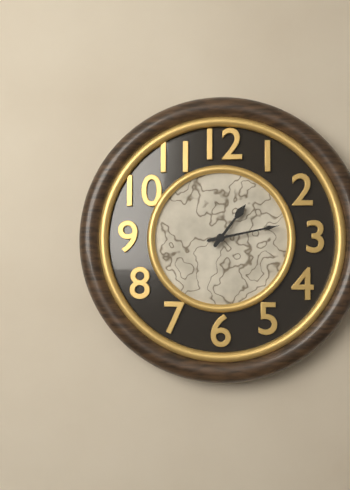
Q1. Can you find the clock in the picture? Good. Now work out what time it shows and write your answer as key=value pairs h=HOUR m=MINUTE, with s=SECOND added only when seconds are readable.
h=1 m=13
